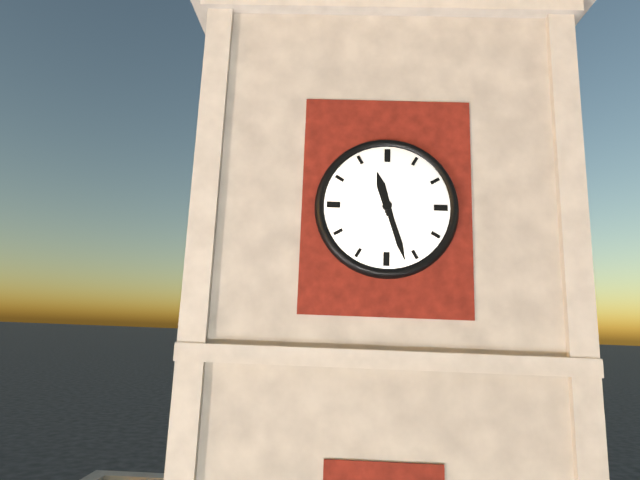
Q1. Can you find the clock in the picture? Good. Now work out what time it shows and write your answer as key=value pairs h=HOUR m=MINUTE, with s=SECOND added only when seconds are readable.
h=11 m=27
